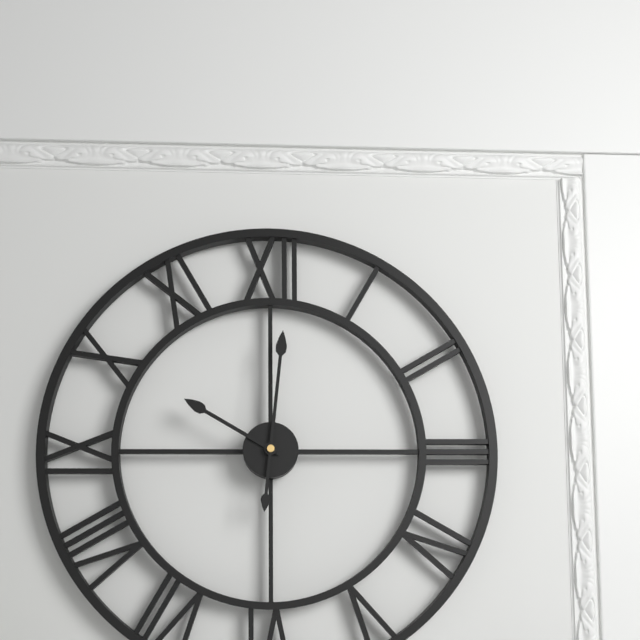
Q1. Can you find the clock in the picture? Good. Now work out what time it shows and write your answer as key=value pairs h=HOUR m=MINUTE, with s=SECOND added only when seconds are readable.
h=10 m=1
